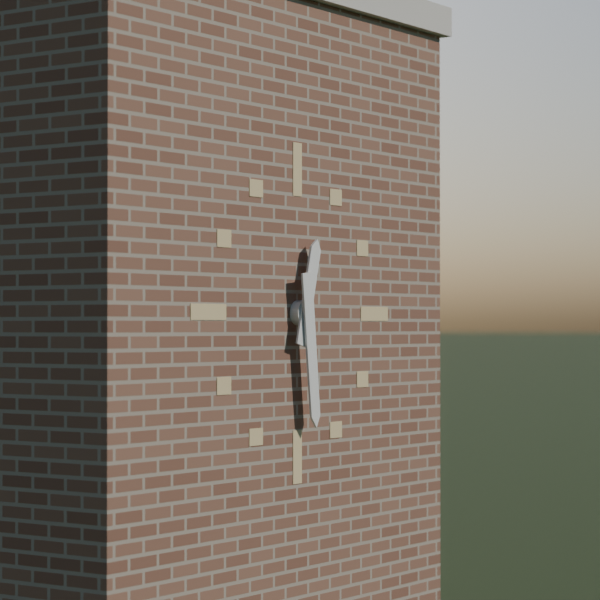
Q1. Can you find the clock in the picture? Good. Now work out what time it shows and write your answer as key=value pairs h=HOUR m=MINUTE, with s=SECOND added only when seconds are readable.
h=12 m=29
